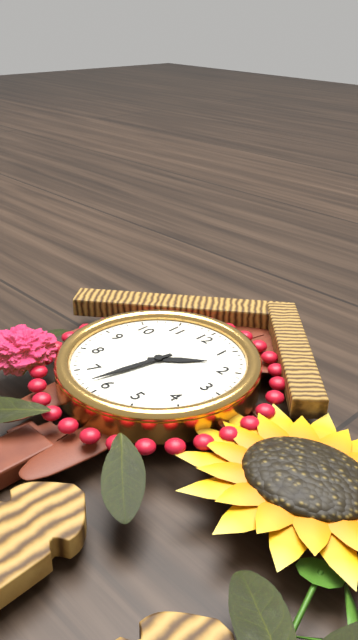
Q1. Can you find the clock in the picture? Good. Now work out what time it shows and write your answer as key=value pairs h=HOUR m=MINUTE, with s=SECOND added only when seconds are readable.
h=1 m=32
